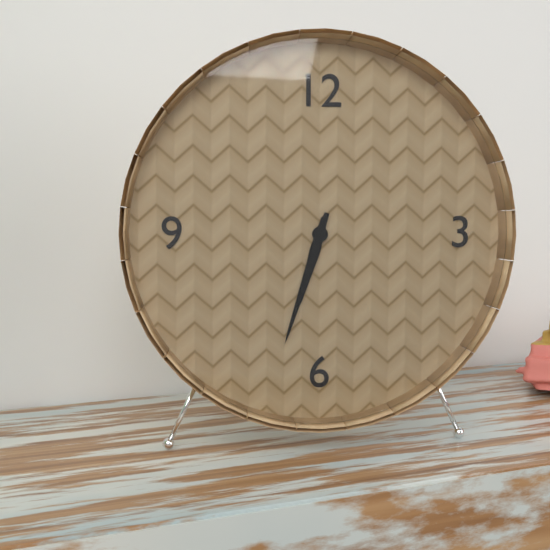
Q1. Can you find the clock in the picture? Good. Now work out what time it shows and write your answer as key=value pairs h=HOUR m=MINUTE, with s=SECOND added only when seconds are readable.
h=6 m=33
